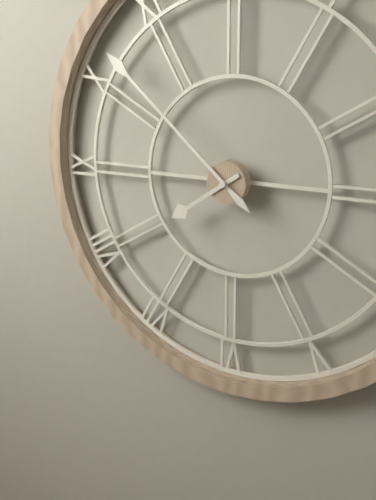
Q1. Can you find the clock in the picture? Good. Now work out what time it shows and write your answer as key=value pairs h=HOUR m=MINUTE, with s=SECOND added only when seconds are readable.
h=7 m=52
